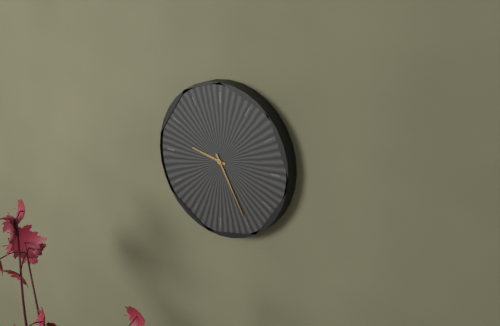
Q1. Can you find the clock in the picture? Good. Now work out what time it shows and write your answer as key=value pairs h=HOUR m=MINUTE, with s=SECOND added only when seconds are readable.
h=9 m=25
